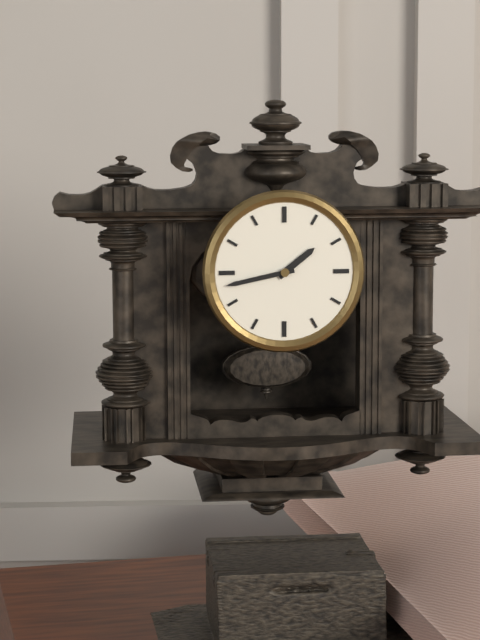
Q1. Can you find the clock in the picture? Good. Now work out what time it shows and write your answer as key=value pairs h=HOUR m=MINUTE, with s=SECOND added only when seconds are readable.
h=1 m=43
